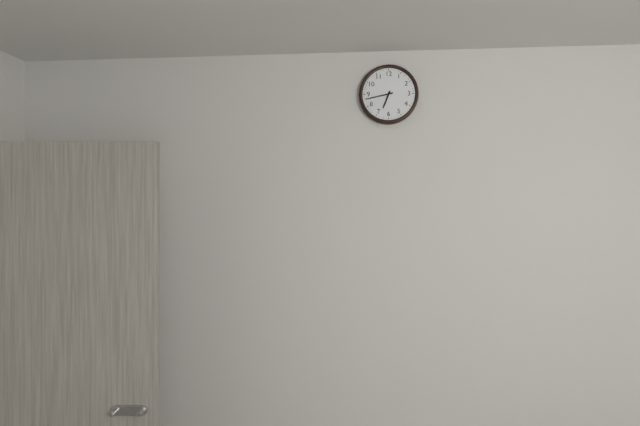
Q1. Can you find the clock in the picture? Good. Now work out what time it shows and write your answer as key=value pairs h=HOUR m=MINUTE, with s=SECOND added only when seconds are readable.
h=6 m=43
